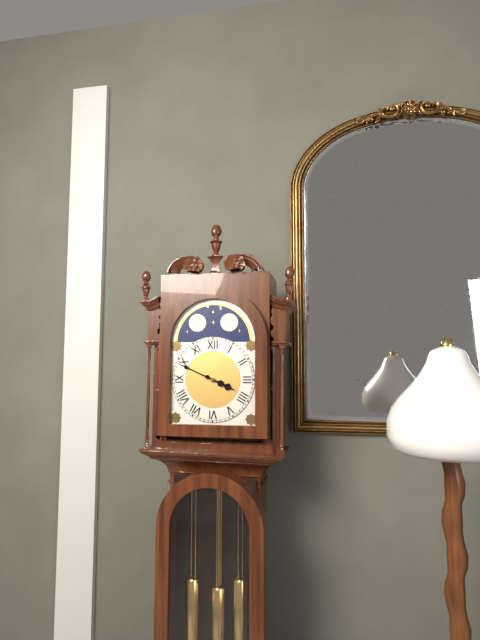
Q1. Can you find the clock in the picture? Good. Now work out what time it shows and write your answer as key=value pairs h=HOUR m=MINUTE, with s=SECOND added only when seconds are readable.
h=3 m=49
